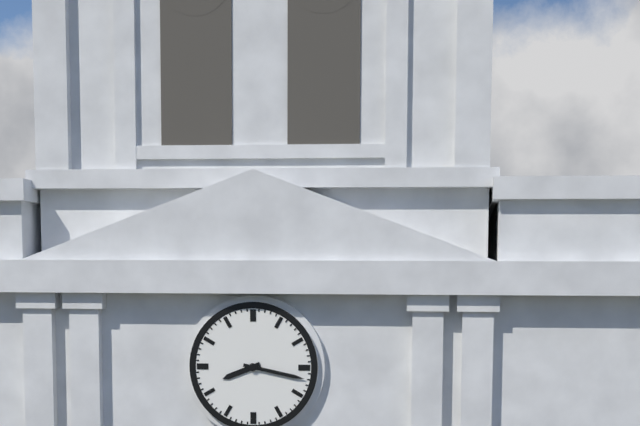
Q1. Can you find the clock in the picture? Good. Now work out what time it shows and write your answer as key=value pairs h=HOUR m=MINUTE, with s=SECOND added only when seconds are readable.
h=8 m=17
